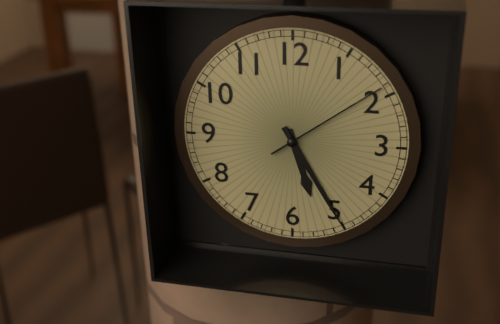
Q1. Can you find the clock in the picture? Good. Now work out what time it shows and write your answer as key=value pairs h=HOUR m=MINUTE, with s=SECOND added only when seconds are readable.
h=5 m=25 s=9
